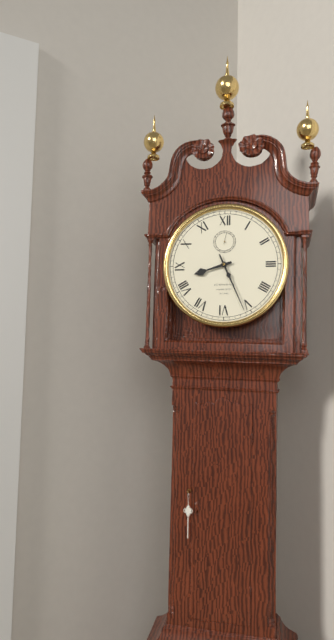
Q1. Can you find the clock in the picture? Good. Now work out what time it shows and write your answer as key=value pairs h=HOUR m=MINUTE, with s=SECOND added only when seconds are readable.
h=8 m=26
